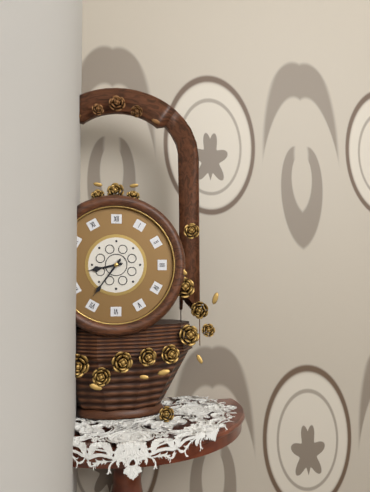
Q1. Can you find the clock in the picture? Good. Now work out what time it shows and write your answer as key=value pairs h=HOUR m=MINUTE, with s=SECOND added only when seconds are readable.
h=8 m=36
